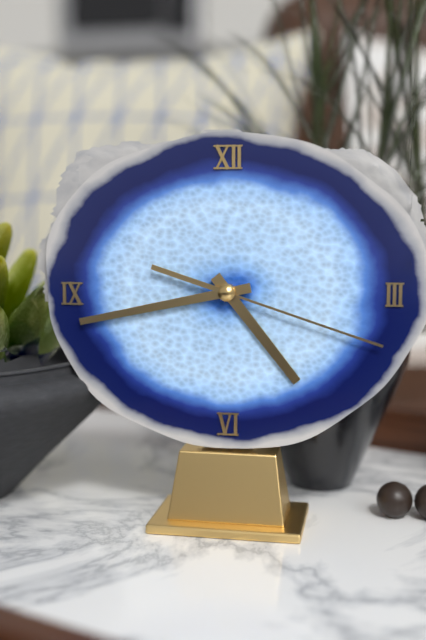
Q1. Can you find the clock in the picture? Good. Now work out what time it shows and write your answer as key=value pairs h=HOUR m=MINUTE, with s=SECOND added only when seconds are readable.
h=4 m=43 s=18
